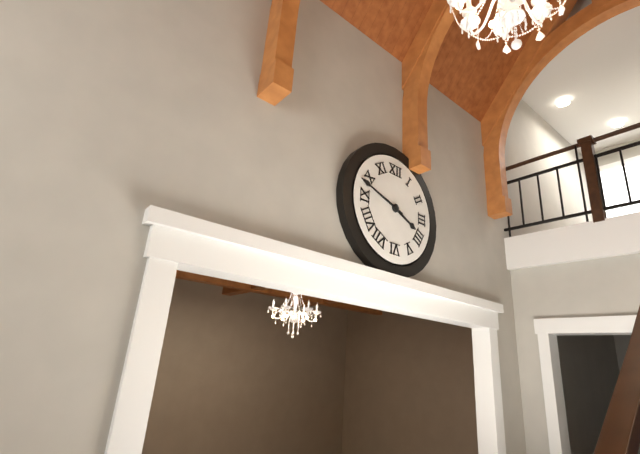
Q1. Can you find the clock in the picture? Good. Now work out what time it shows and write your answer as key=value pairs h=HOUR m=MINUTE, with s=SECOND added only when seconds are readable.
h=3 m=48
